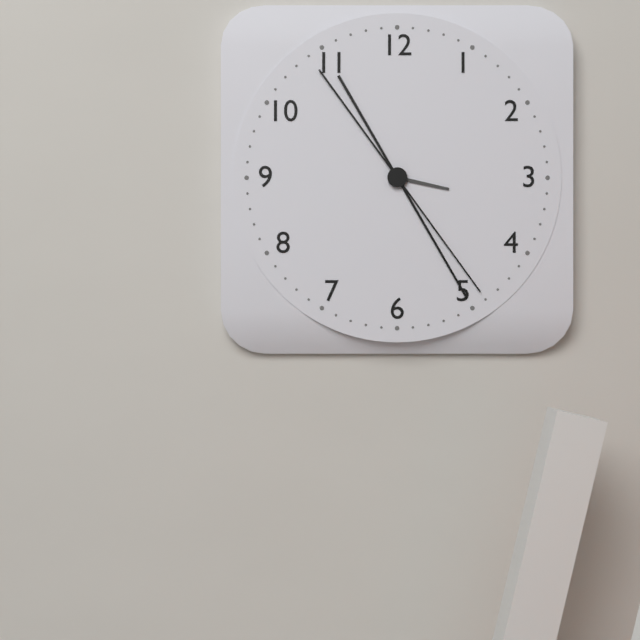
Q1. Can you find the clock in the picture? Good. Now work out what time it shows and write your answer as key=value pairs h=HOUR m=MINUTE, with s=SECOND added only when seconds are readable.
h=3 m=25 s=24
